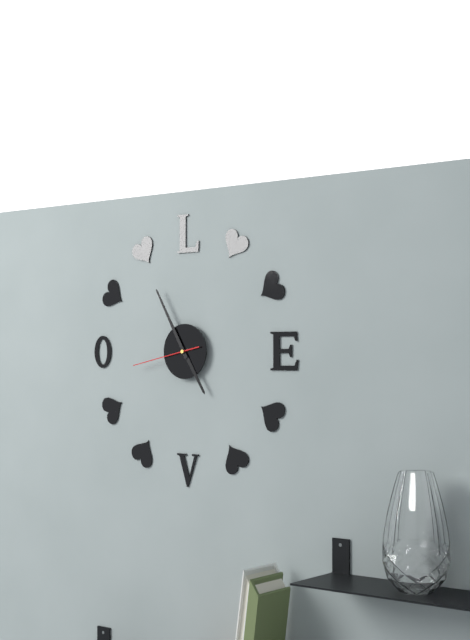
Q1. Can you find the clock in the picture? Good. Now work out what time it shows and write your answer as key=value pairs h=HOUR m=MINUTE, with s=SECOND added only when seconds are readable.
h=4 m=55 s=43
